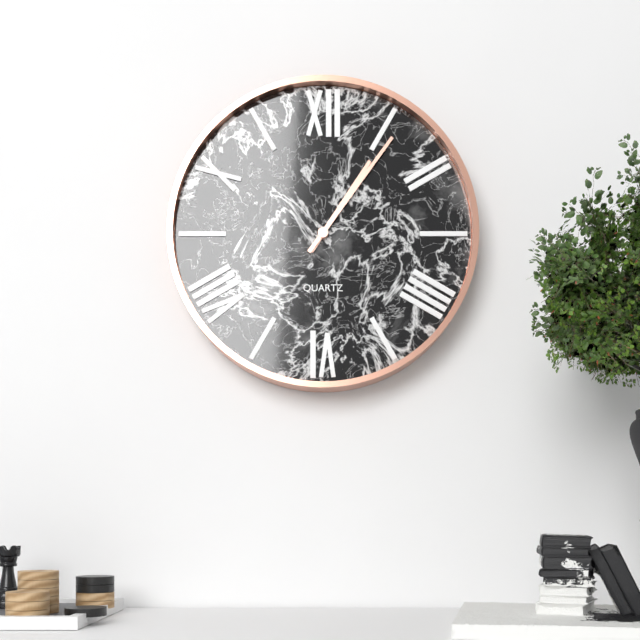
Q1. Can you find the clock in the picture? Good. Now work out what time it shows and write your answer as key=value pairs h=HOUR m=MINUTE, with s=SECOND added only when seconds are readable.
h=1 m=6
